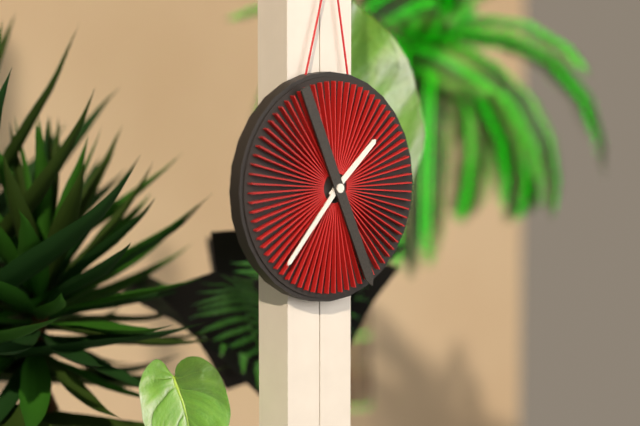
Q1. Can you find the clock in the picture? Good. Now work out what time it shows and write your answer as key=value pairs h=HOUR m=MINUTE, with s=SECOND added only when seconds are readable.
h=1 m=37 s=26
